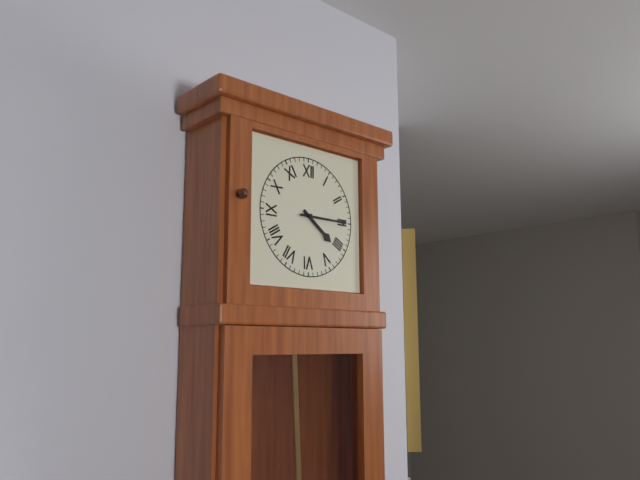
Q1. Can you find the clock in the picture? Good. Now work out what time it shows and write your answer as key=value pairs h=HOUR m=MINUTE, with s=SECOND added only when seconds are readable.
h=4 m=15
